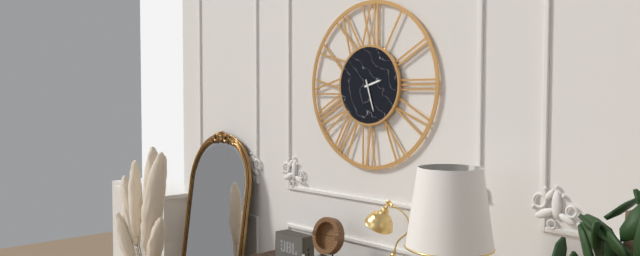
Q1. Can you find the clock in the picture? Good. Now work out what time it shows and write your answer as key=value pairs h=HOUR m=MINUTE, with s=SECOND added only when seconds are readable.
h=2 m=27
